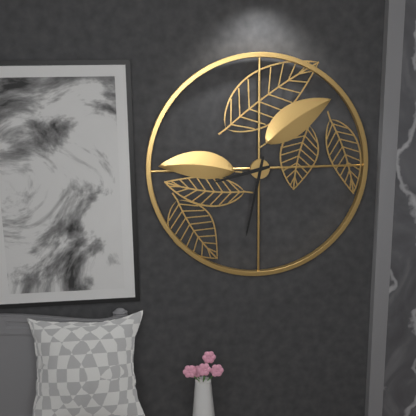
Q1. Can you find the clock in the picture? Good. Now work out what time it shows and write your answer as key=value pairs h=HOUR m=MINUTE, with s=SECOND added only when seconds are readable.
h=8 m=32
